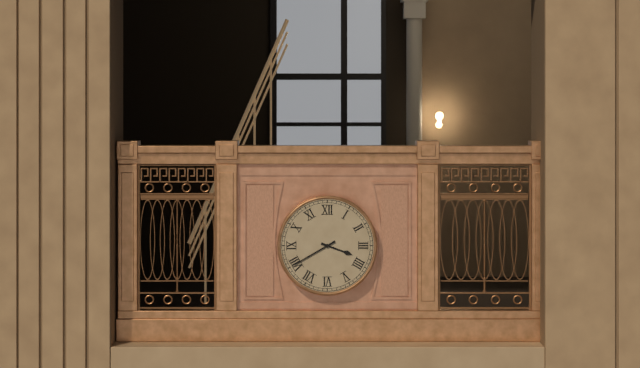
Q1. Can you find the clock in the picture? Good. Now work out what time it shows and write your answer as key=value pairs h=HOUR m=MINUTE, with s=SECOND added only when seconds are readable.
h=3 m=40
